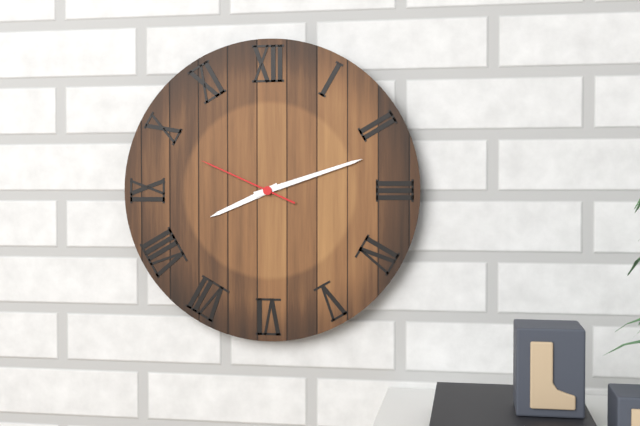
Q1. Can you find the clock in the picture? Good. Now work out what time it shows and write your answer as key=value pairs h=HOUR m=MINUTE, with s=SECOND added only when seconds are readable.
h=8 m=12 s=49
